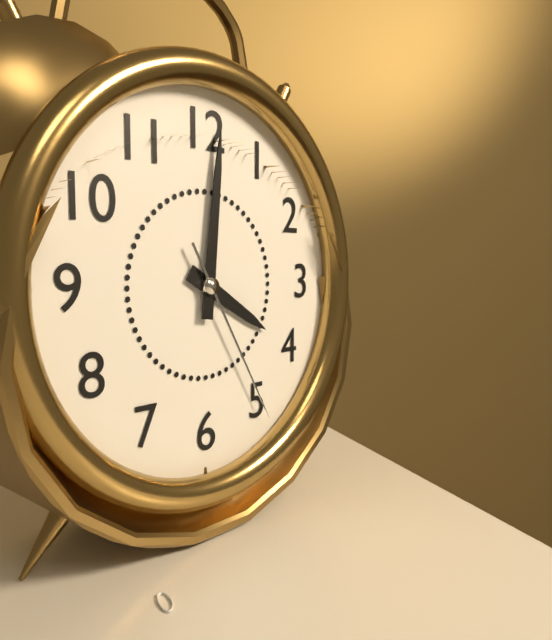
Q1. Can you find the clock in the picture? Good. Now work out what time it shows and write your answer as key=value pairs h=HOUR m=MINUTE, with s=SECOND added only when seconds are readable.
h=4 m=1 s=25
